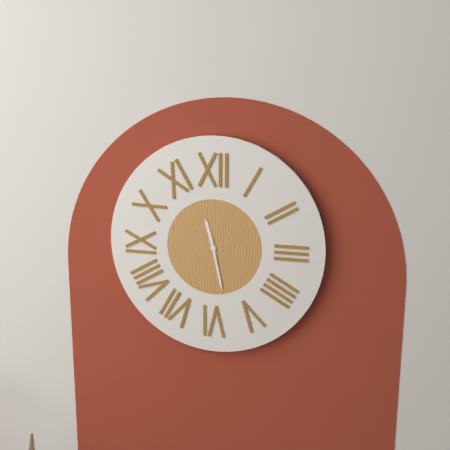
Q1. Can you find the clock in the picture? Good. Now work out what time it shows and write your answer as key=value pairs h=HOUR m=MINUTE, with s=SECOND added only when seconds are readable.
h=11 m=28
